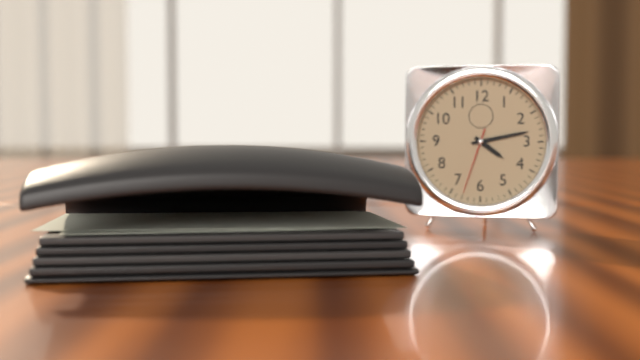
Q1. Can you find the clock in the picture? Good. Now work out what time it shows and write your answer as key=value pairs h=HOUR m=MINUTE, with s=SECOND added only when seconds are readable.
h=4 m=13 s=33
